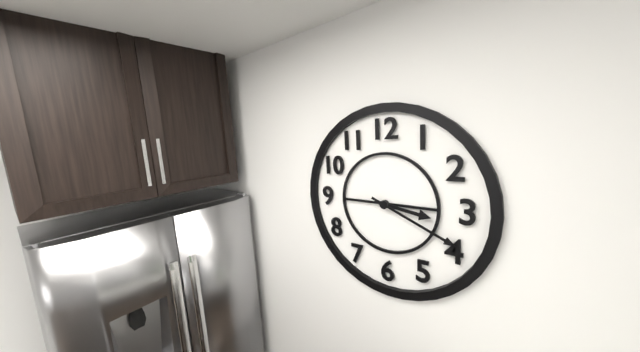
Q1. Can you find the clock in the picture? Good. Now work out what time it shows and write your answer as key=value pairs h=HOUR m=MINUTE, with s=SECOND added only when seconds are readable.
h=3 m=19
